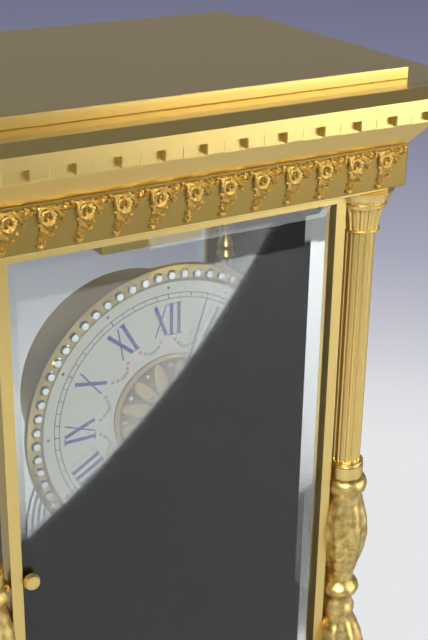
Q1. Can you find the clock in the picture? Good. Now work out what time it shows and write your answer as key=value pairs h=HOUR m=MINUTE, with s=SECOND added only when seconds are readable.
h=5 m=3
